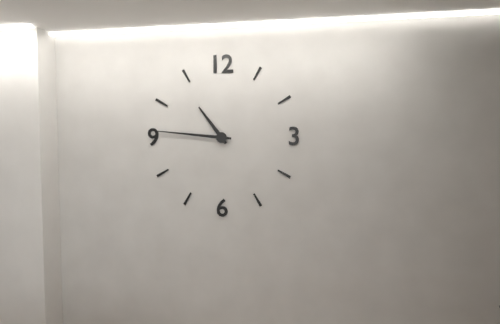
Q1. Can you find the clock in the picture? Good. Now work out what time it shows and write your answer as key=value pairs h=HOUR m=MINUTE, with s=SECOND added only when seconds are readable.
h=10 m=46
